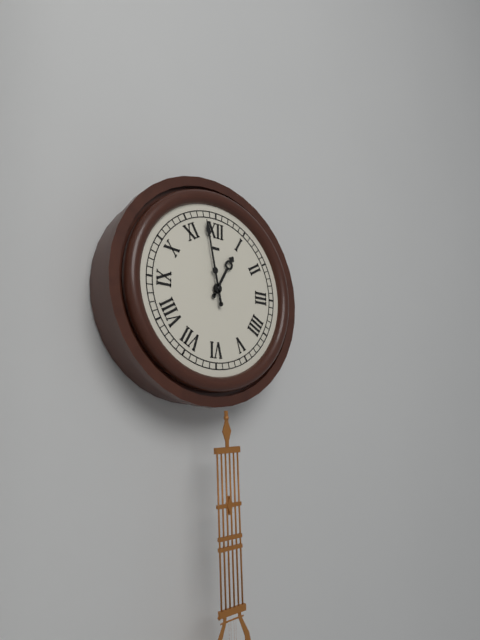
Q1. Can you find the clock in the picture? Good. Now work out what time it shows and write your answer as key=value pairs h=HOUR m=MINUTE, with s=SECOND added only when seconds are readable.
h=12 m=58
